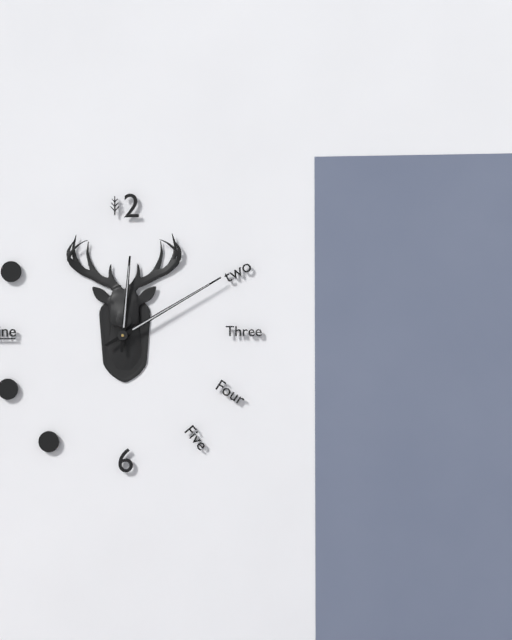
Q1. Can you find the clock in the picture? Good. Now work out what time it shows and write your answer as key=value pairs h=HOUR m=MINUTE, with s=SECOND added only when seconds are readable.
h=12 m=10
